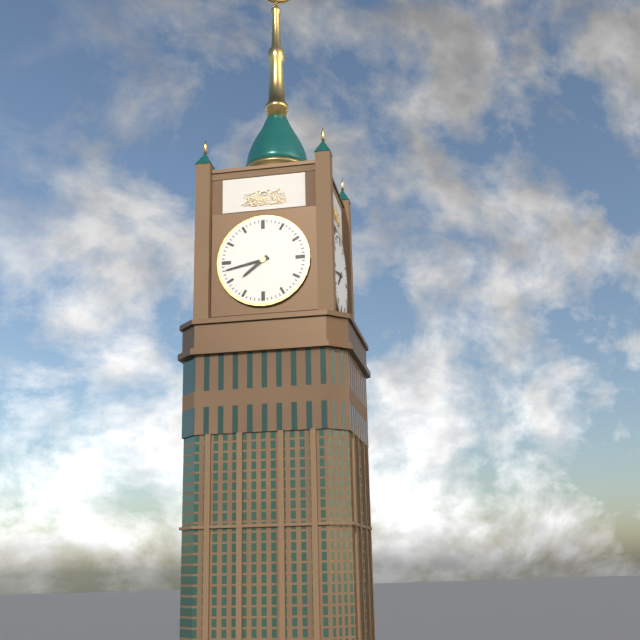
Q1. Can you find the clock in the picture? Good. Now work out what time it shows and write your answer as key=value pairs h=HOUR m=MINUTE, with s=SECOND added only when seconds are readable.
h=7 m=43
